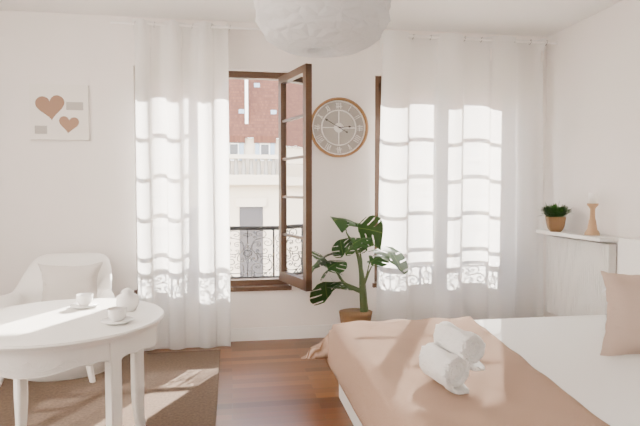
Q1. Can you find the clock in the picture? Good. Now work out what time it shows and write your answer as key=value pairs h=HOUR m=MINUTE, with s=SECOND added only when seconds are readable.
h=2 m=50
